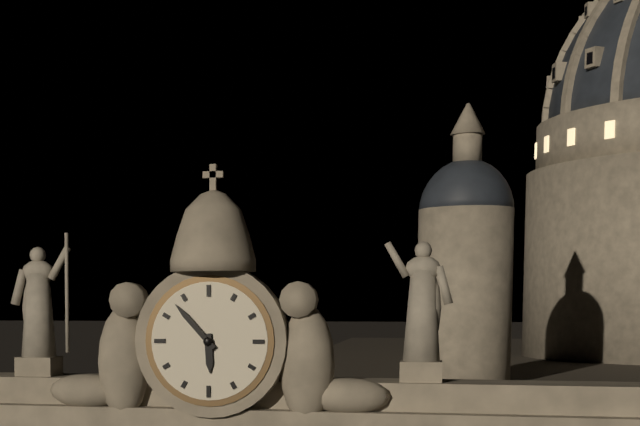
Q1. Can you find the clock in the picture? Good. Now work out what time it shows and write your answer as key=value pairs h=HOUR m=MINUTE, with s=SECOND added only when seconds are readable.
h=5 m=53
